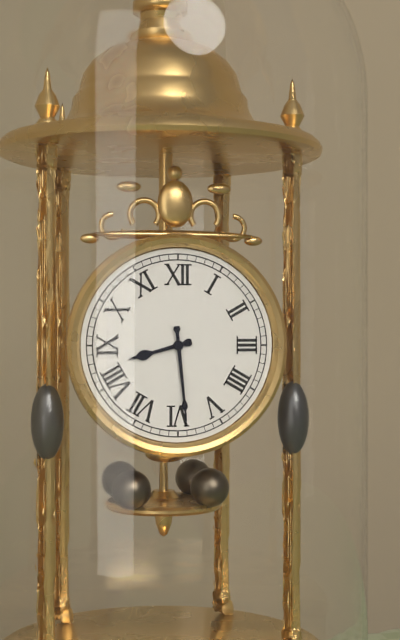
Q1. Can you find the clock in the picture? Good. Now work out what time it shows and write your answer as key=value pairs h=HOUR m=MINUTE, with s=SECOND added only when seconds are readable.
h=8 m=29
